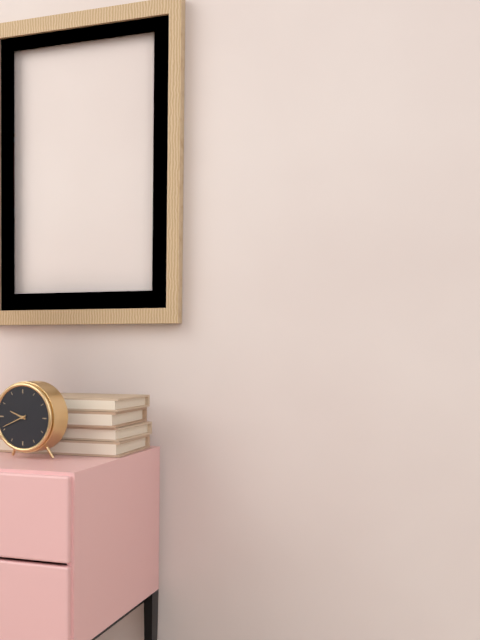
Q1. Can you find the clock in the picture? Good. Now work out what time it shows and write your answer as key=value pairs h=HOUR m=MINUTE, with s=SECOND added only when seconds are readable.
h=9 m=41
